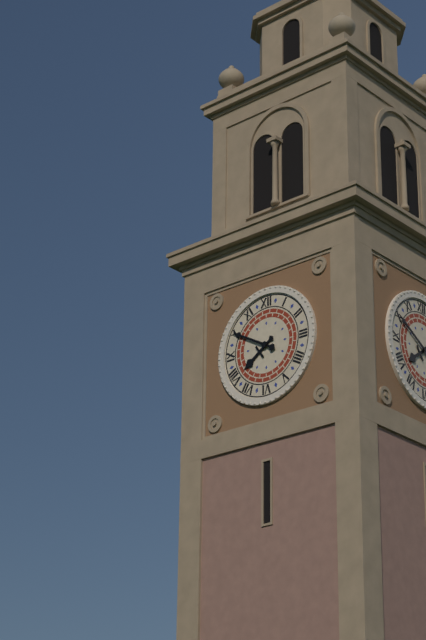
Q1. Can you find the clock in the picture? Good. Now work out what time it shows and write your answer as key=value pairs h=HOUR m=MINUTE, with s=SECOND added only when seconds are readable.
h=7 m=50
